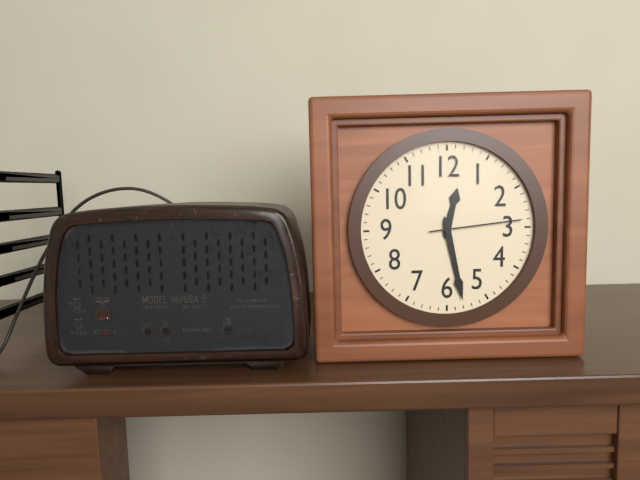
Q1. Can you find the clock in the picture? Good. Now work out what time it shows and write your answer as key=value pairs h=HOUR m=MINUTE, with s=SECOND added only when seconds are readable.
h=12 m=28 s=14
